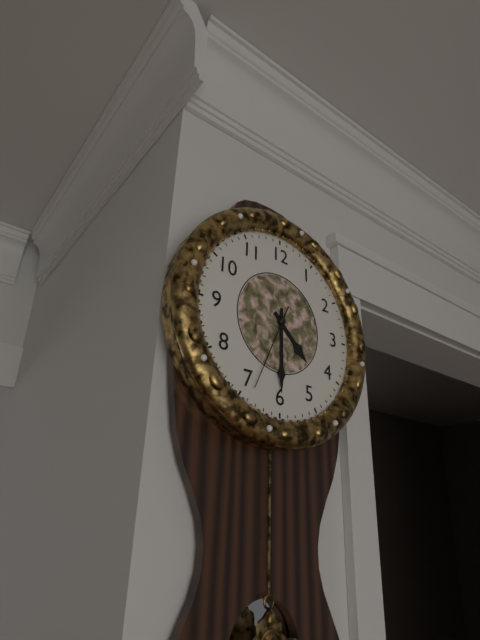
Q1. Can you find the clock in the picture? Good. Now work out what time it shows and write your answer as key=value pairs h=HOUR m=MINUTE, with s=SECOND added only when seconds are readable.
h=4 m=30 s=34
